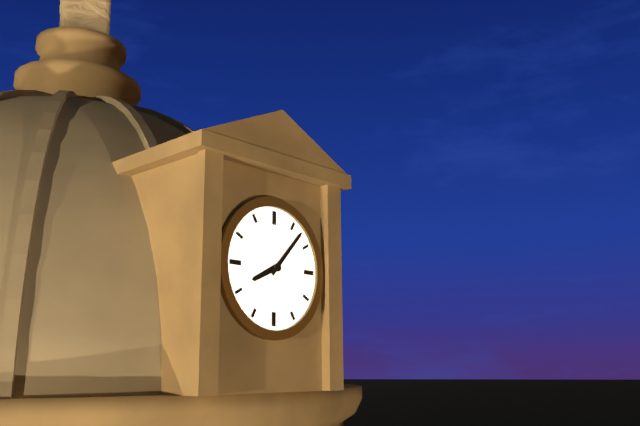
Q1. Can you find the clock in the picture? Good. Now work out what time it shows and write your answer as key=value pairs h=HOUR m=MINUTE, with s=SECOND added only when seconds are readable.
h=8 m=7
